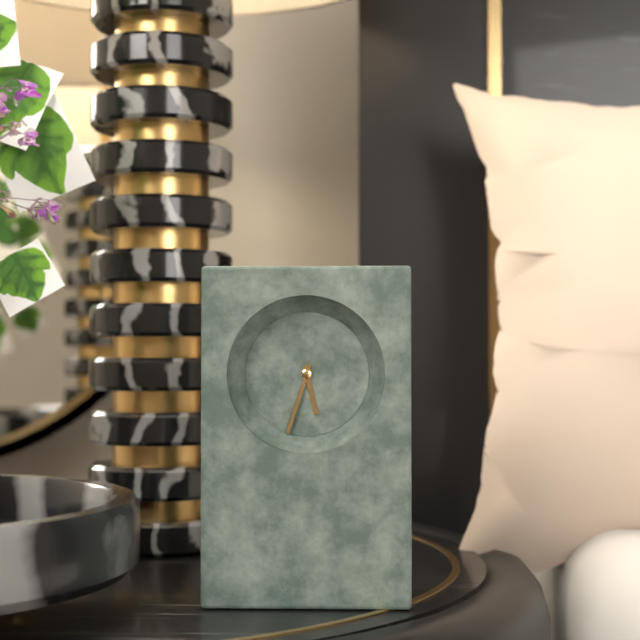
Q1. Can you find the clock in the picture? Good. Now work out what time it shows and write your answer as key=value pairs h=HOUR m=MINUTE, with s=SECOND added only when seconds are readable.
h=5 m=33
